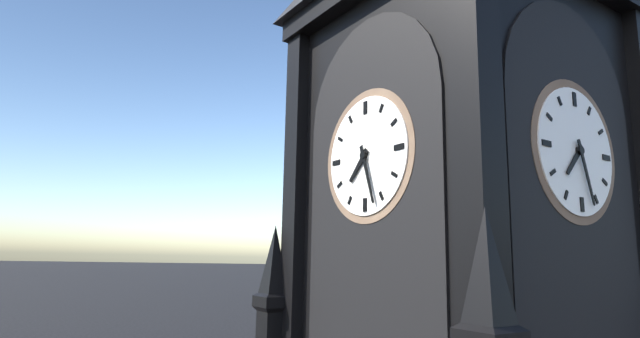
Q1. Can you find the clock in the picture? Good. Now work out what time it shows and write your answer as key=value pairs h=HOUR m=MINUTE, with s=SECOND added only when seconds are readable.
h=7 m=27
